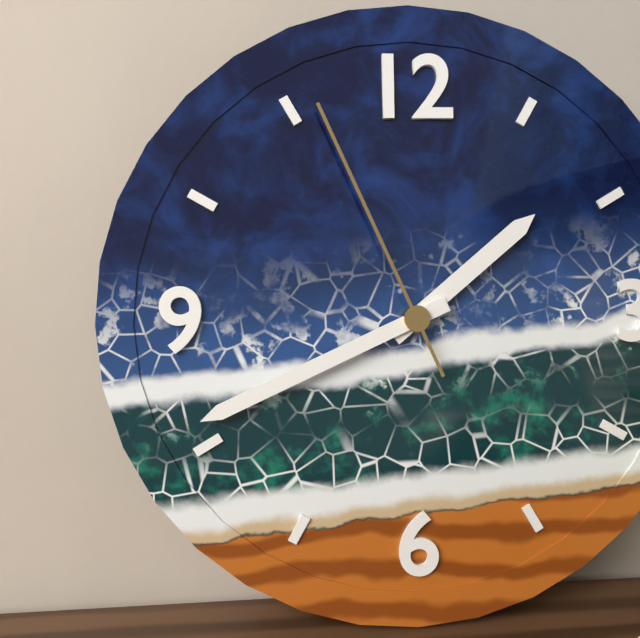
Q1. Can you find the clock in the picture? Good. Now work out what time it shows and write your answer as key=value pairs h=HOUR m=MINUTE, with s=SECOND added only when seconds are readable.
h=1 m=41 s=56
